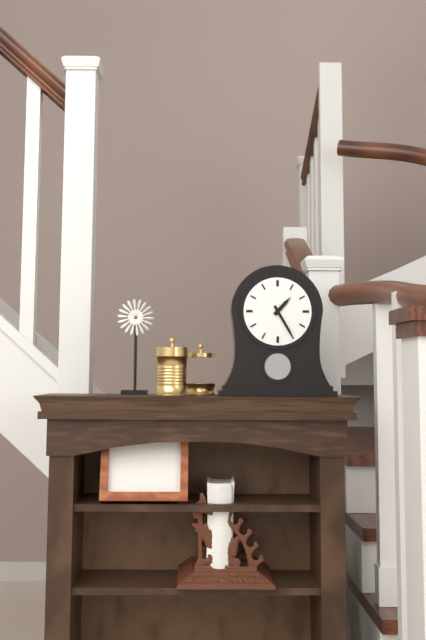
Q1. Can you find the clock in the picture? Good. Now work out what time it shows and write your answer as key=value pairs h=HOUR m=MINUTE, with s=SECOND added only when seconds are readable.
h=1 m=25
